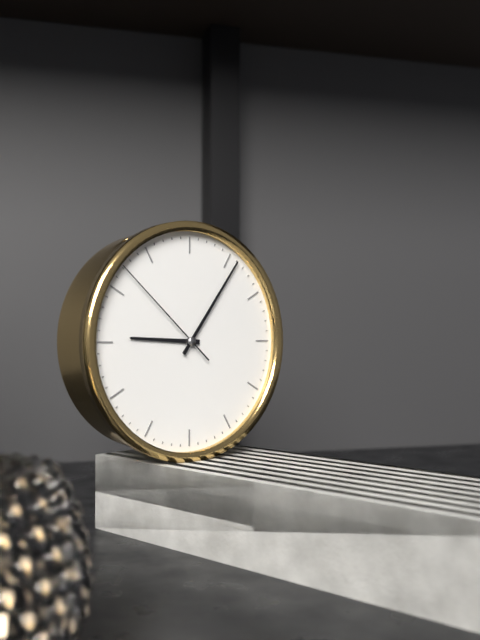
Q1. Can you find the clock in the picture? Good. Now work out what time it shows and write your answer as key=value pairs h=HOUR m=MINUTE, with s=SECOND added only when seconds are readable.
h=9 m=6 s=52
